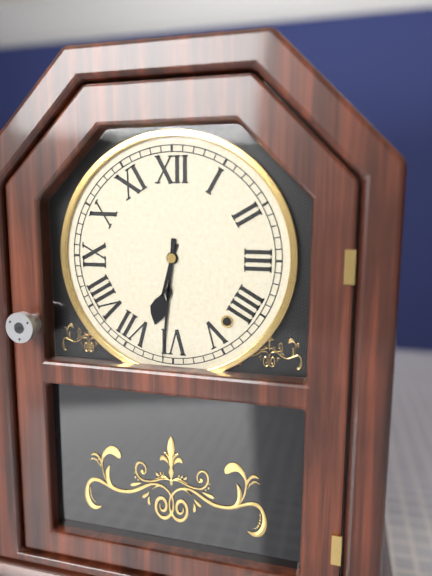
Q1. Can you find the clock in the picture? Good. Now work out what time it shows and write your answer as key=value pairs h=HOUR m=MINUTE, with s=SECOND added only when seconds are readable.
h=6 m=31
